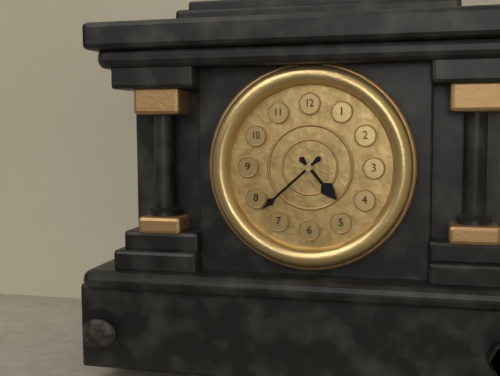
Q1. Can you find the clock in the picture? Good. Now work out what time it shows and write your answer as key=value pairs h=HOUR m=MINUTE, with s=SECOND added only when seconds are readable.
h=4 m=38
